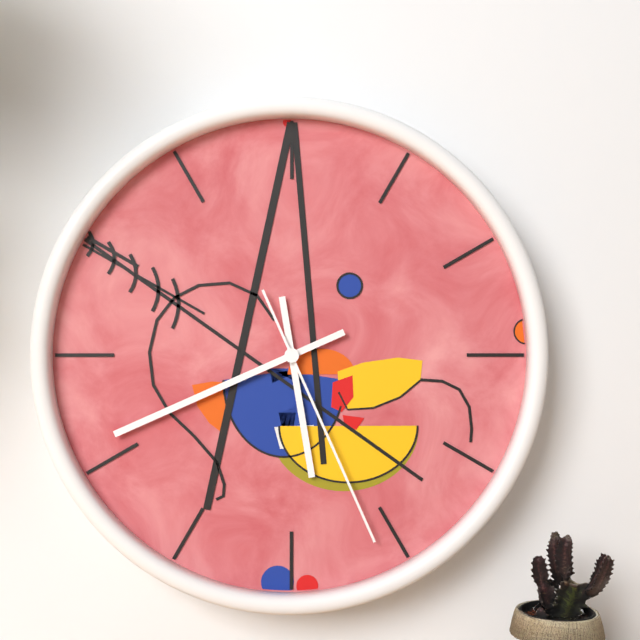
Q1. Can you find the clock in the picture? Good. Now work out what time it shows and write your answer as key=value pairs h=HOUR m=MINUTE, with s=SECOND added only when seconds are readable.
h=5 m=41 s=26
